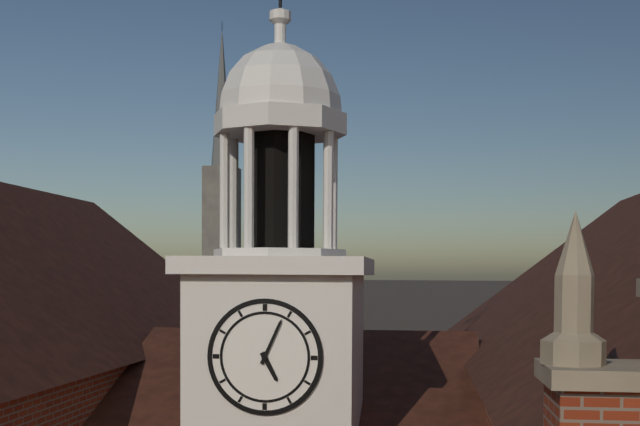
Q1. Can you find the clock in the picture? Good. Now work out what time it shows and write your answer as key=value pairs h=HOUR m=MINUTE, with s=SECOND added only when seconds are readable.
h=5 m=4
